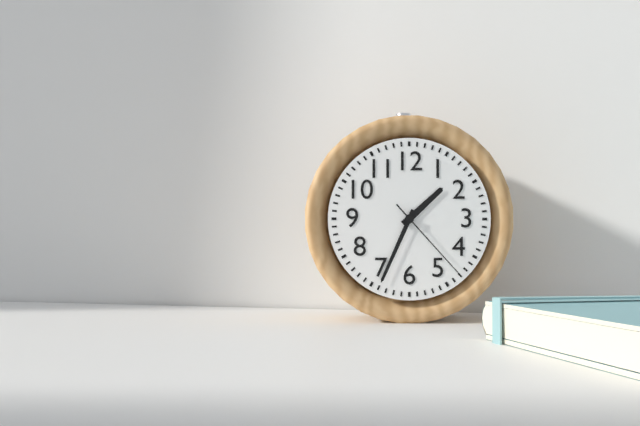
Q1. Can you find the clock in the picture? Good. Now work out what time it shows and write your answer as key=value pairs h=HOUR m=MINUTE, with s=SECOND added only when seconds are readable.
h=1 m=34 s=23
